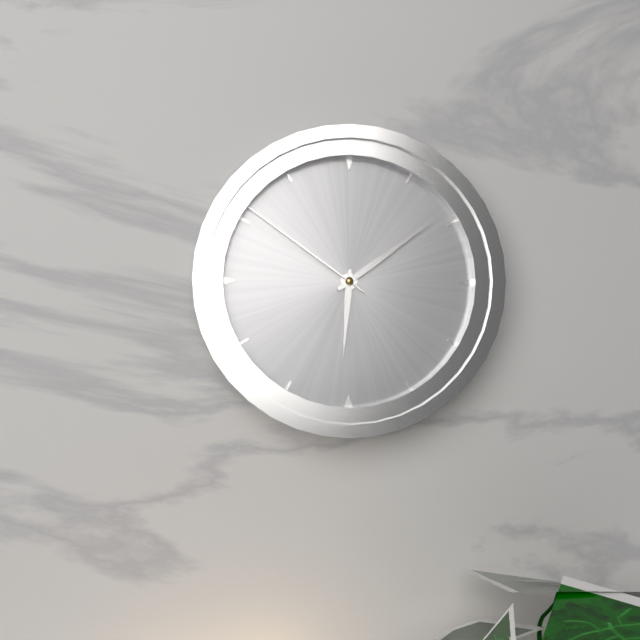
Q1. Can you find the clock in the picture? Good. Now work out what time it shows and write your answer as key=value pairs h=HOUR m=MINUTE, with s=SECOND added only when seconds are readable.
h=6 m=9 s=51
